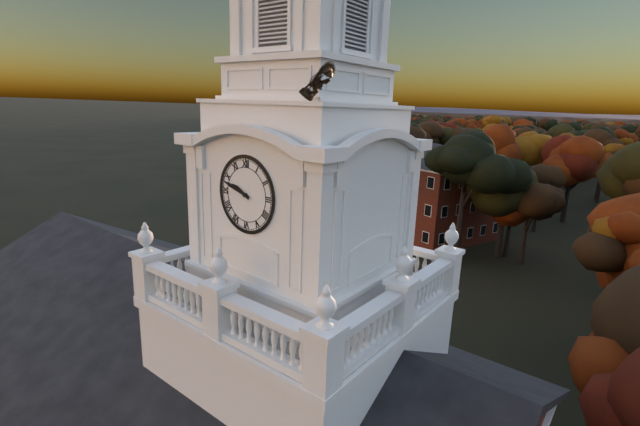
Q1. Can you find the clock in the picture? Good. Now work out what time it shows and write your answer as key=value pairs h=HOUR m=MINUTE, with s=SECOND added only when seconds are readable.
h=9 m=48
